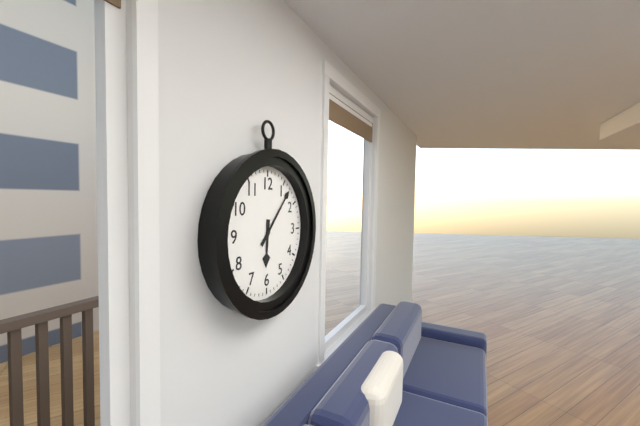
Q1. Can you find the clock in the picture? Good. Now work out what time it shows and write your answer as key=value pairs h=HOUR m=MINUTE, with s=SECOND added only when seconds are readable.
h=6 m=7
